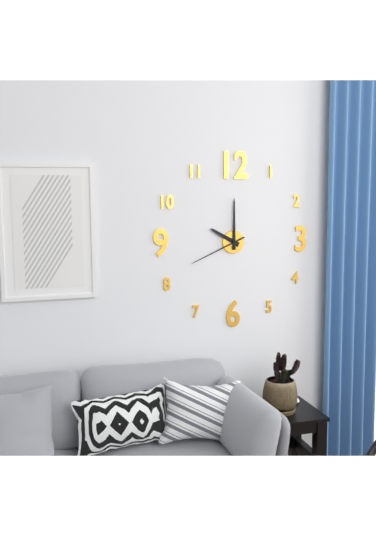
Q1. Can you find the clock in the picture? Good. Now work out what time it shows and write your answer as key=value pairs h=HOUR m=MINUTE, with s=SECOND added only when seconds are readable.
h=10 m=0 s=41
